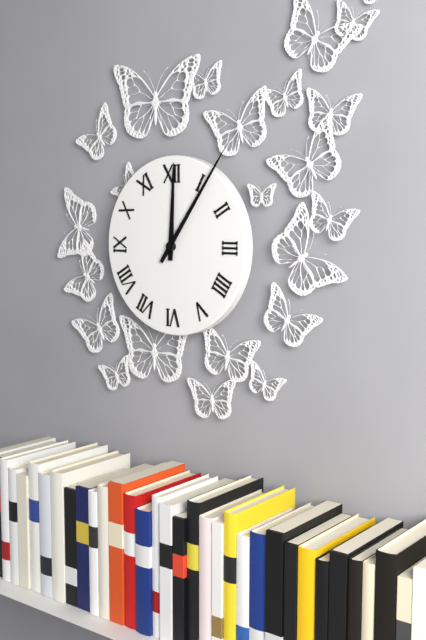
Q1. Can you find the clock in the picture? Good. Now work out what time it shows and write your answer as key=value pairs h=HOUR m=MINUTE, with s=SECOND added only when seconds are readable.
h=12 m=6
